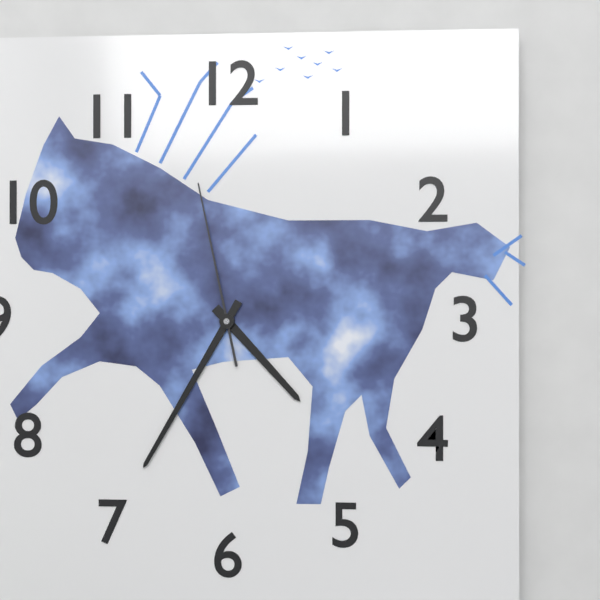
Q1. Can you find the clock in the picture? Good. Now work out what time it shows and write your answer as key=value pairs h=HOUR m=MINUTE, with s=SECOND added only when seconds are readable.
h=4 m=35 s=58
